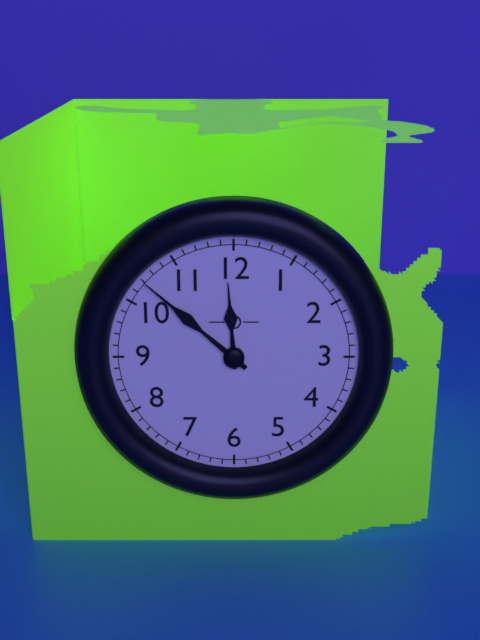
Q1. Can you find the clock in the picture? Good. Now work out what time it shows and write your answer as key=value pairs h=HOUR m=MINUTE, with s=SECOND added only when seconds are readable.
h=11 m=52
